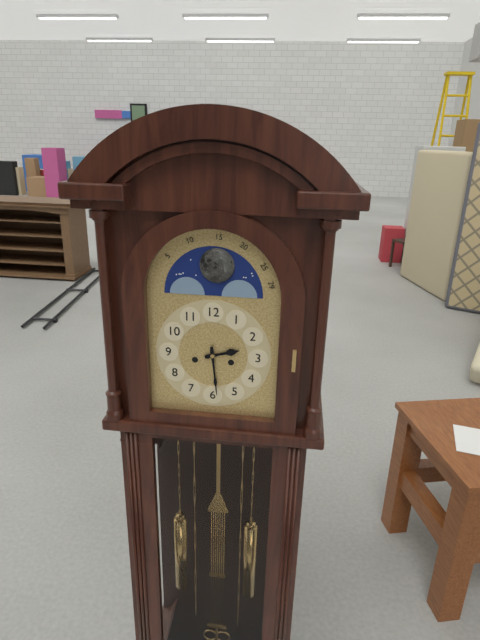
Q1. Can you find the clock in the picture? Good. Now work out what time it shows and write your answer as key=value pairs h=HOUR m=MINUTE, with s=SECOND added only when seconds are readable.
h=2 m=29
